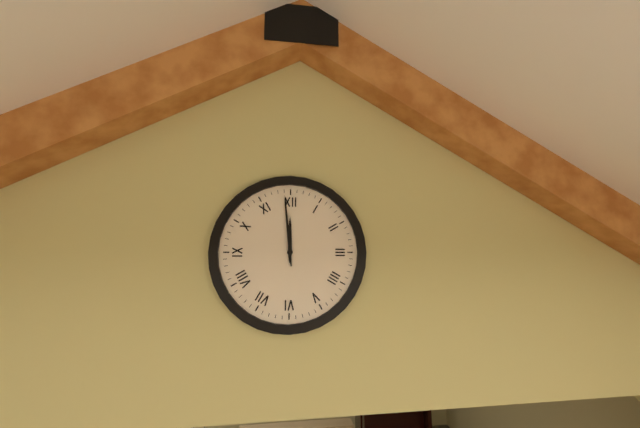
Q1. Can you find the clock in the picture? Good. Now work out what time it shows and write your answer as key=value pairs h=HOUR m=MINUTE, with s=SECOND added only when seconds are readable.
h=11 m=59
